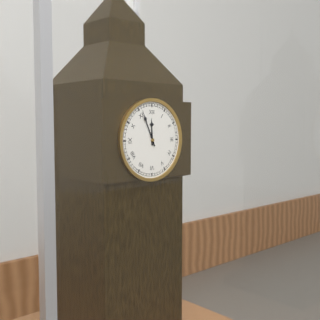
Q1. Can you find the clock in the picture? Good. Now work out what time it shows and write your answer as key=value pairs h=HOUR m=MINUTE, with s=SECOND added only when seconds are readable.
h=11 m=56
